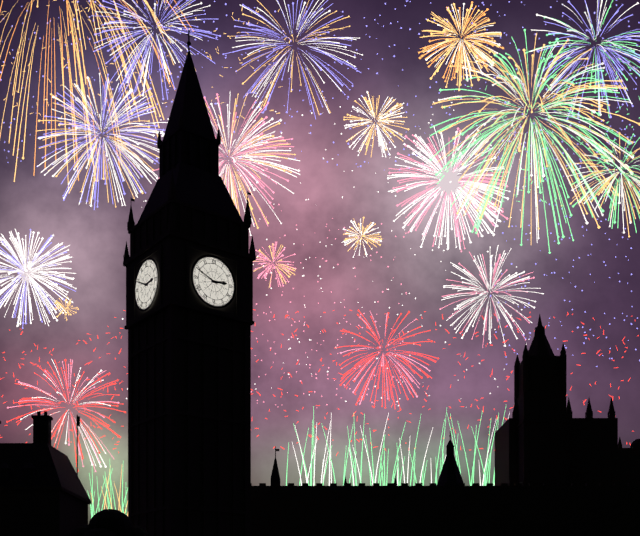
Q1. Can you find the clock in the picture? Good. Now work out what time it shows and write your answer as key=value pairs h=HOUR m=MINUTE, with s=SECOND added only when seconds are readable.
h=2 m=49
